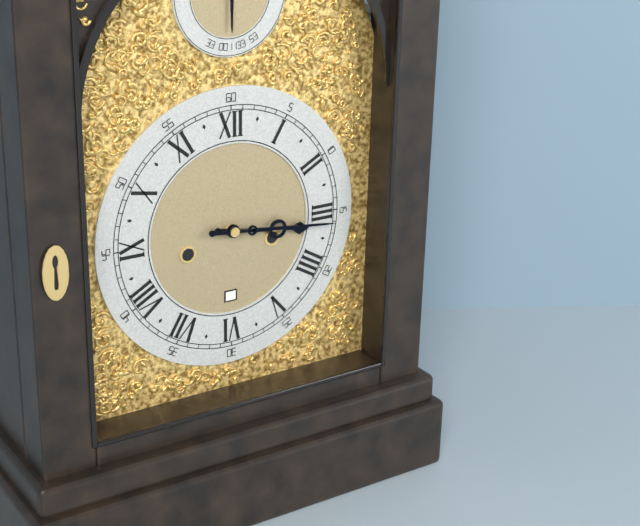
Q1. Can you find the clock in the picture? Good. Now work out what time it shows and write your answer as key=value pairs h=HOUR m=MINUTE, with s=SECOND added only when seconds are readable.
h=3 m=16
